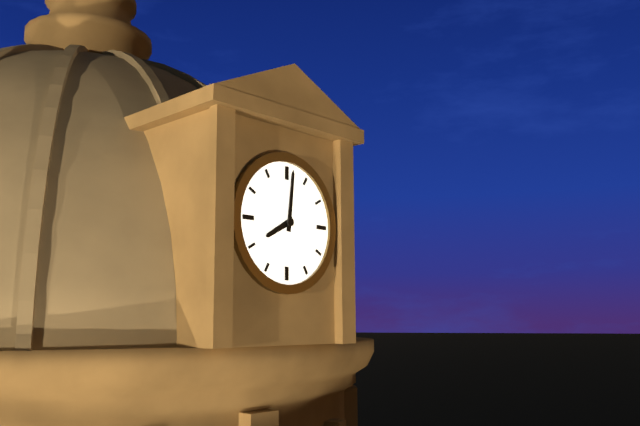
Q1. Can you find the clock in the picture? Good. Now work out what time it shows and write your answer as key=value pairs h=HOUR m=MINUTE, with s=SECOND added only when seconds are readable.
h=8 m=1
